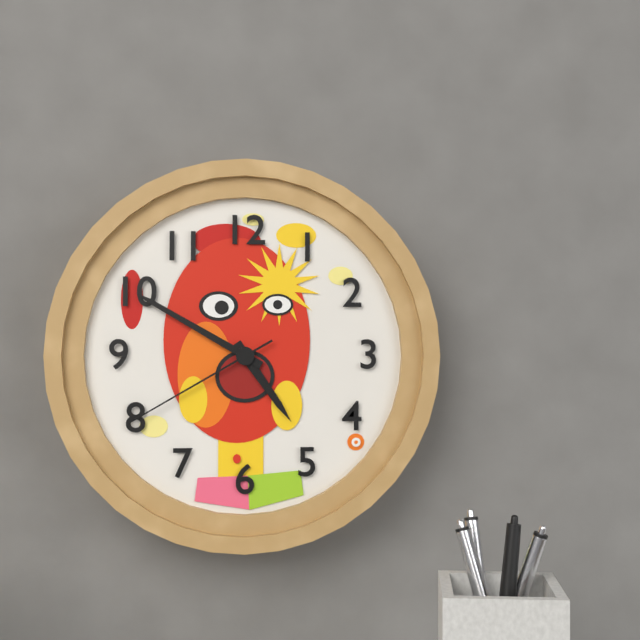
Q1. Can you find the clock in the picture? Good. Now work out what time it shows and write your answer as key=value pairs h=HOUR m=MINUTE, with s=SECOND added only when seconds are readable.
h=4 m=50 s=40
